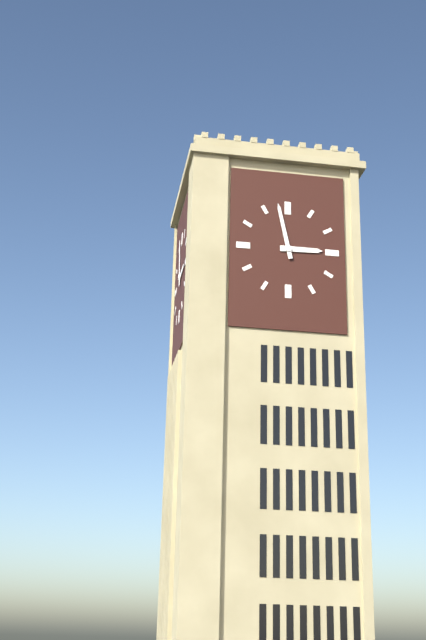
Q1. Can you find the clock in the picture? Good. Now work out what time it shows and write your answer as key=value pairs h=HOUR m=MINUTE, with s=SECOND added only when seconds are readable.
h=2 m=58
